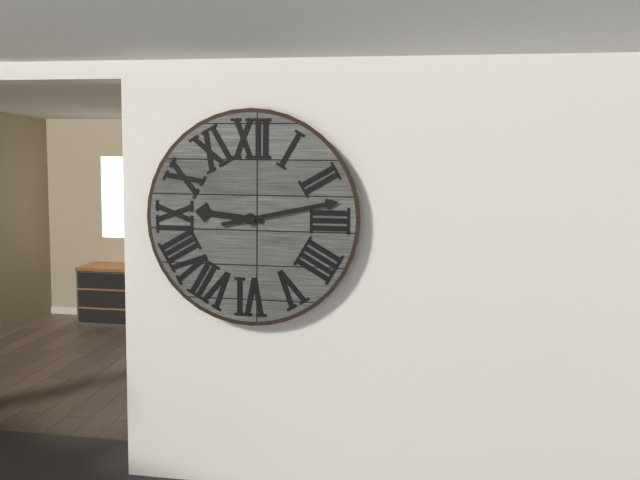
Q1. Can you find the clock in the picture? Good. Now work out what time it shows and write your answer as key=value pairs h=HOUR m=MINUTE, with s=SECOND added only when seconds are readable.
h=9 m=13
